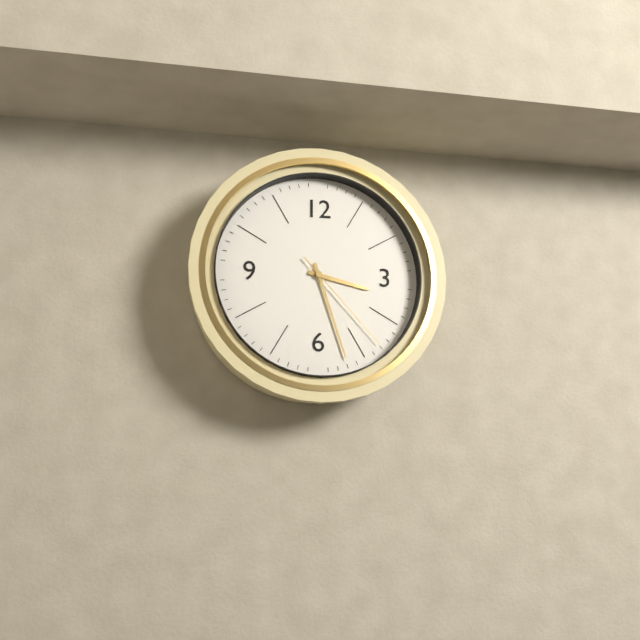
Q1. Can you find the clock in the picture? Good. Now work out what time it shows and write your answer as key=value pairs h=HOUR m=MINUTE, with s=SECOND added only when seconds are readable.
h=3 m=27 s=23
